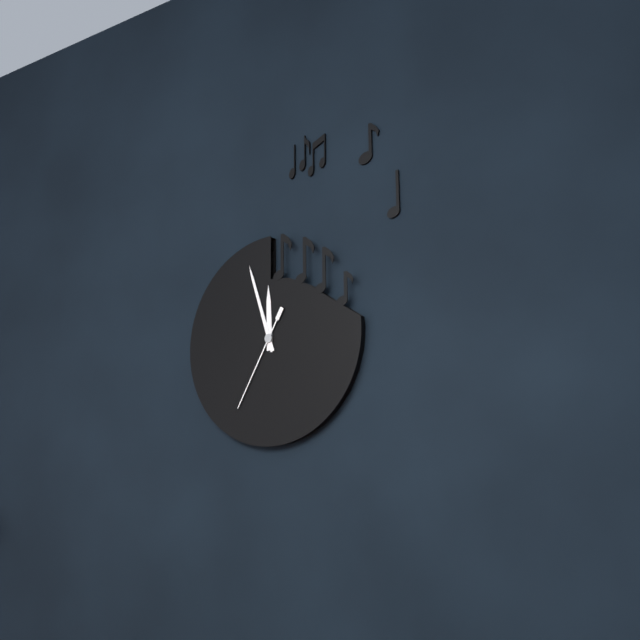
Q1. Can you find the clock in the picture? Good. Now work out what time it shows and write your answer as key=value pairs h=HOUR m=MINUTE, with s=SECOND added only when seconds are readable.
h=11 m=57 s=35
